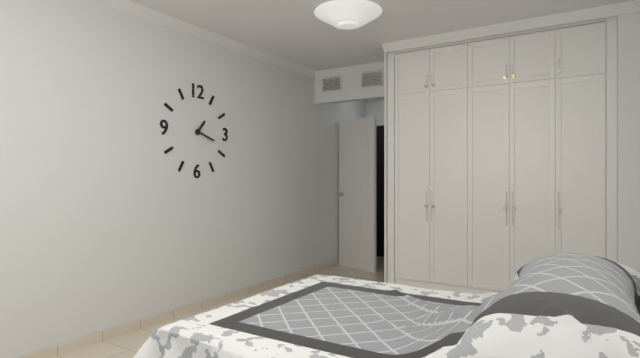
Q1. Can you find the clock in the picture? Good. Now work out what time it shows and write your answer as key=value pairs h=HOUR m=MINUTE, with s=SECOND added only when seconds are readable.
h=1 m=18
